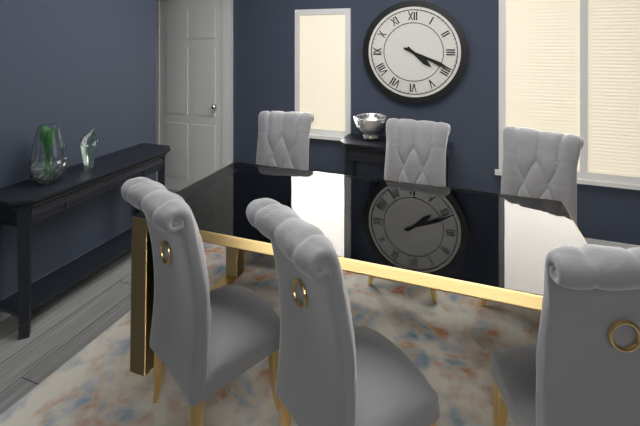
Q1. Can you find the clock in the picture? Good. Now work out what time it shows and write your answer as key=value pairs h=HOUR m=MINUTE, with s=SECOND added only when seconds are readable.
h=4 m=19
